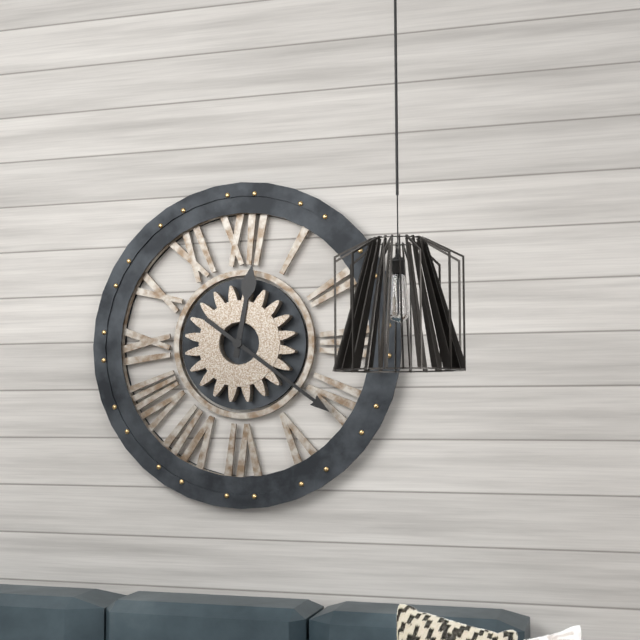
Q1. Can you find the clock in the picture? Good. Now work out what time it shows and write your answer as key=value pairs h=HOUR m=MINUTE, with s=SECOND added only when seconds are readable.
h=12 m=21
